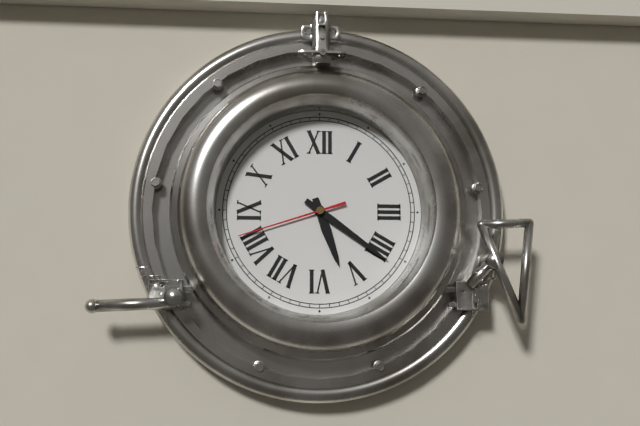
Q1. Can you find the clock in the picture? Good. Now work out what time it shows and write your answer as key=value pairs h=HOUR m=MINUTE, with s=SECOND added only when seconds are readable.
h=5 m=21 s=42
